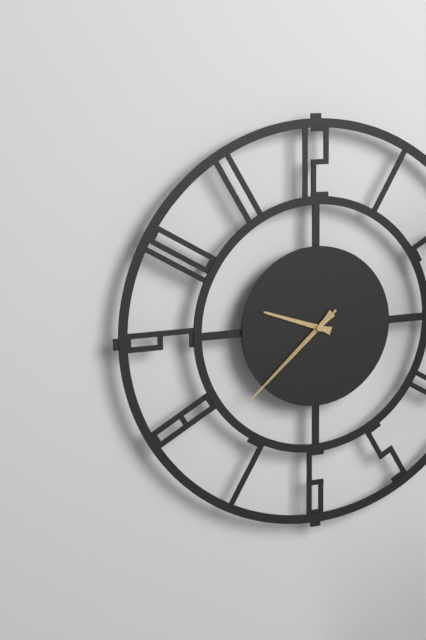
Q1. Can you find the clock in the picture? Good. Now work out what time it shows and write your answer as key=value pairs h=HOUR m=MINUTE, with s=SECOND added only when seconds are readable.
h=9 m=38 s=38
